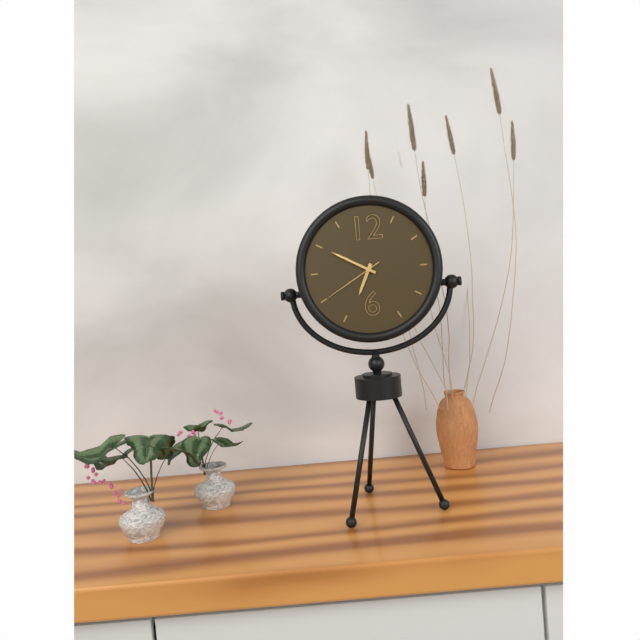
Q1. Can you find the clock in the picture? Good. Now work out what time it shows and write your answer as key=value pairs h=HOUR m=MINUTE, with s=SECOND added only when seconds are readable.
h=6 m=50 s=40
